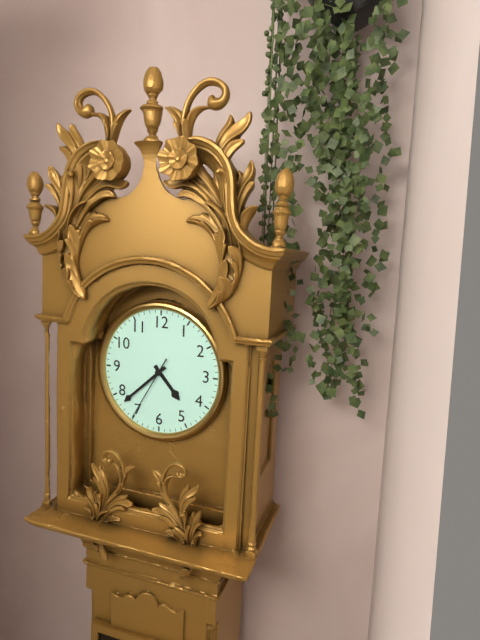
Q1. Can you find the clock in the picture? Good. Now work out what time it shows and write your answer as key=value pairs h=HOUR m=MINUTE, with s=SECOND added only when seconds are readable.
h=4 m=38 s=35
